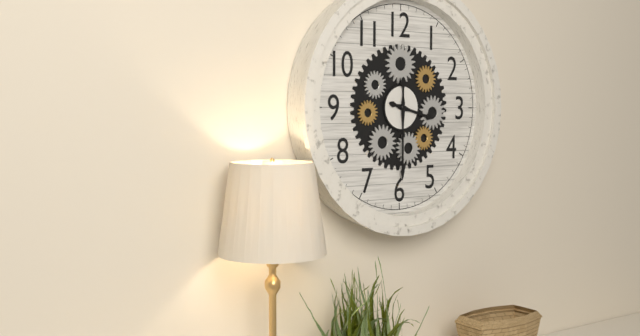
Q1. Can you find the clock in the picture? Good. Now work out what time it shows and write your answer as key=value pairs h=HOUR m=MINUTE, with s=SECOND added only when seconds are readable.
h=3 m=30
